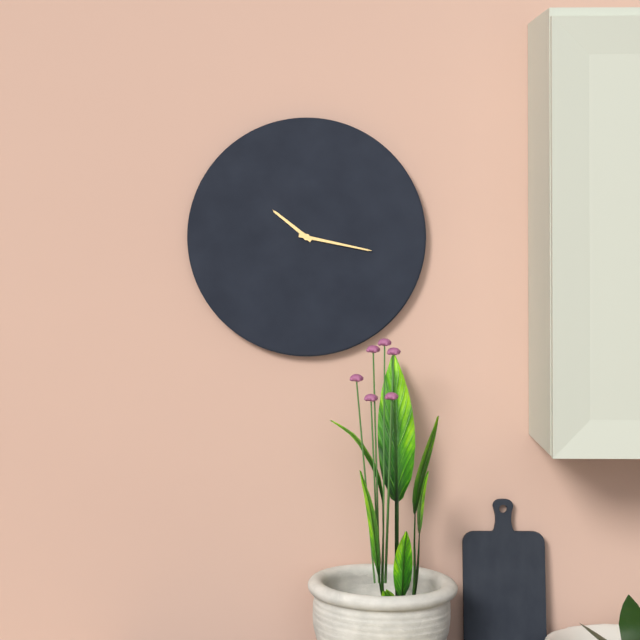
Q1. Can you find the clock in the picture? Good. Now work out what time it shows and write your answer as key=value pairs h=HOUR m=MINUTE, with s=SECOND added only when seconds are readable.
h=10 m=17
